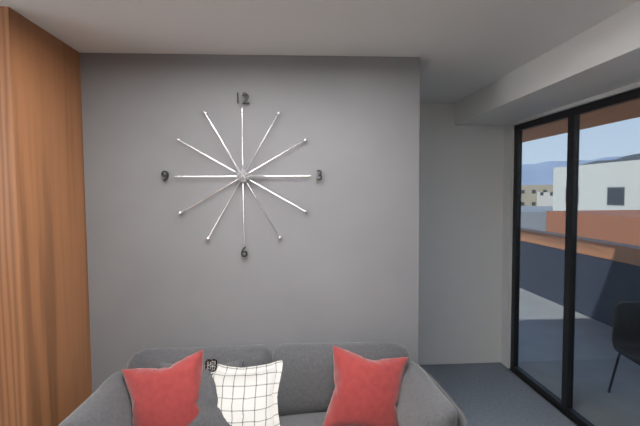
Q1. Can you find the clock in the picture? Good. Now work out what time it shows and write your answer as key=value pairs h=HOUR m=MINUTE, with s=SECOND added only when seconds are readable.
h=2 m=55
